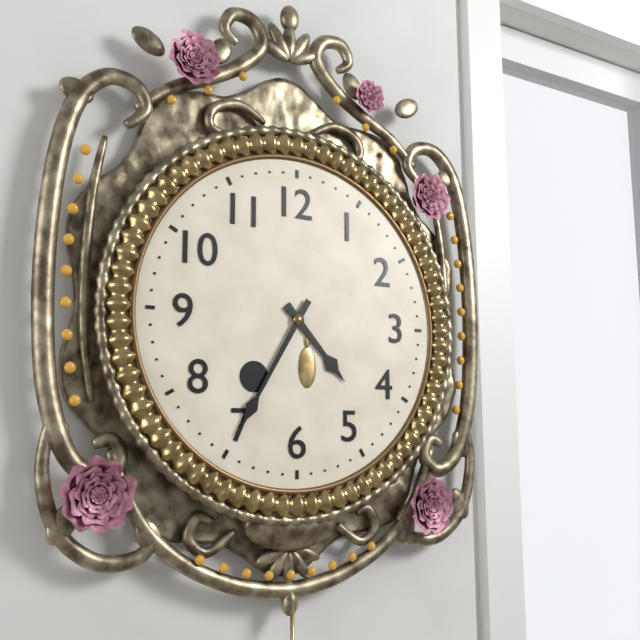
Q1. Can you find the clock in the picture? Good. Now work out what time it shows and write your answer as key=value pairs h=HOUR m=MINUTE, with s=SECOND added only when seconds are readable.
h=4 m=35
